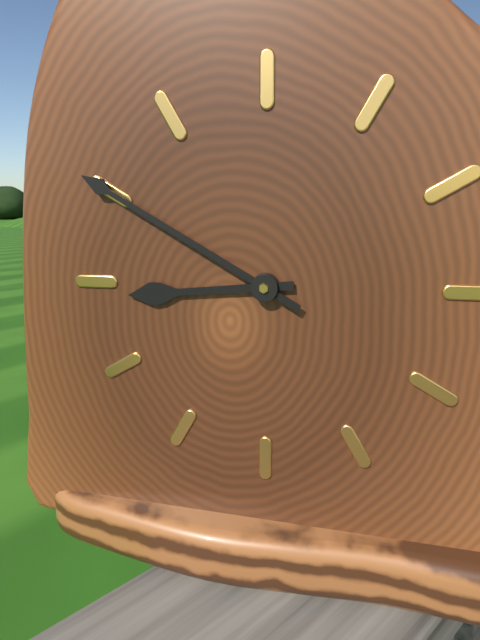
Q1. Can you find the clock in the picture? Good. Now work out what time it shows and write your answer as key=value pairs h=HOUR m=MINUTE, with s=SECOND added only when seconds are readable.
h=8 m=50
